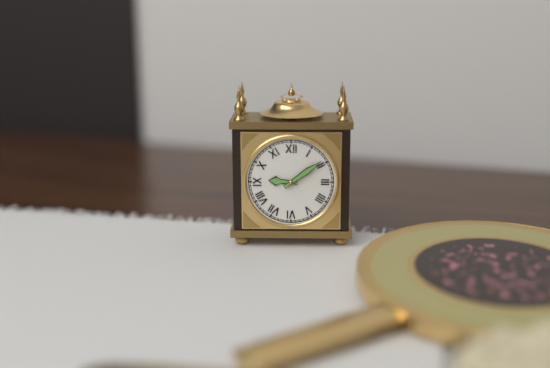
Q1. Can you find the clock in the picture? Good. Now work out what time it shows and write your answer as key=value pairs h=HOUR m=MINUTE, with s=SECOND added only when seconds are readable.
h=9 m=9
